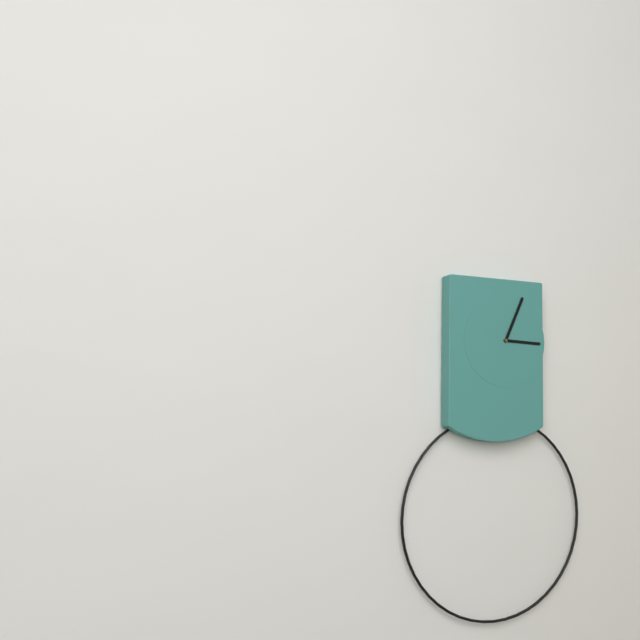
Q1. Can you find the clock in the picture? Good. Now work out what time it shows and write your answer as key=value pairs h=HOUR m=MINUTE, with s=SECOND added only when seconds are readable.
h=3 m=4
